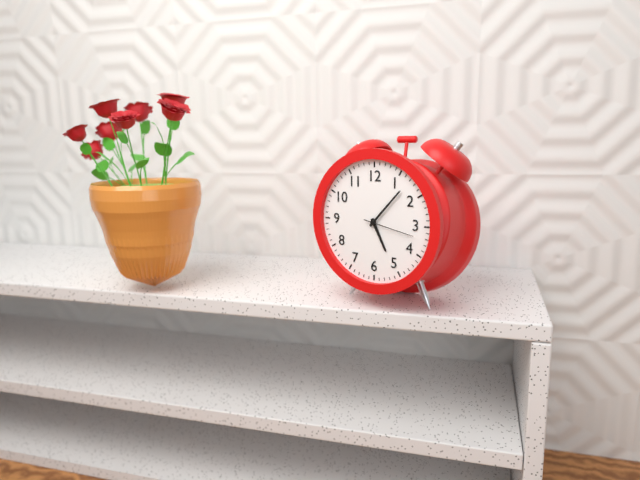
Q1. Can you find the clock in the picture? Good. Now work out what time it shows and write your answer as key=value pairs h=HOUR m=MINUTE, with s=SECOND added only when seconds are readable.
h=5 m=7 s=17
